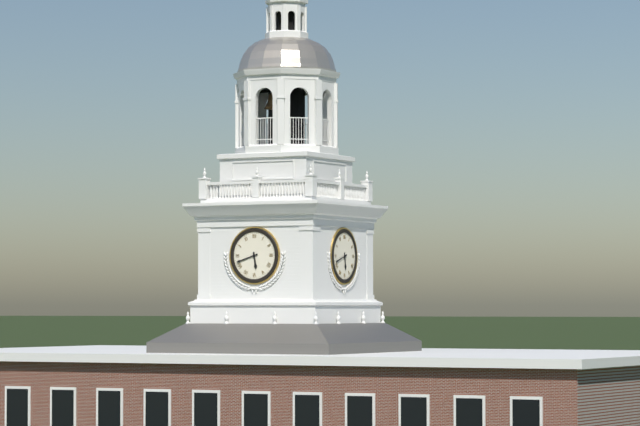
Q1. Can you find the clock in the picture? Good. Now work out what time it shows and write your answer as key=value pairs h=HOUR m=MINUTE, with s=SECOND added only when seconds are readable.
h=5 m=42
